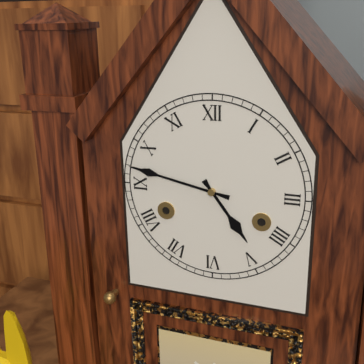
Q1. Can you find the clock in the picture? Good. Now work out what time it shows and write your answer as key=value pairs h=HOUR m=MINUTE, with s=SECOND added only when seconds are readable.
h=4 m=47
